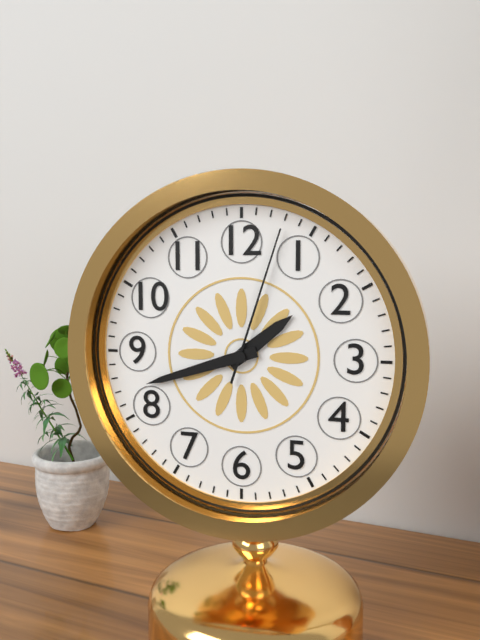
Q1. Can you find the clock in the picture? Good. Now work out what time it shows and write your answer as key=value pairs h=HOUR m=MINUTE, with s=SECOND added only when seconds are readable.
h=1 m=42 s=3
